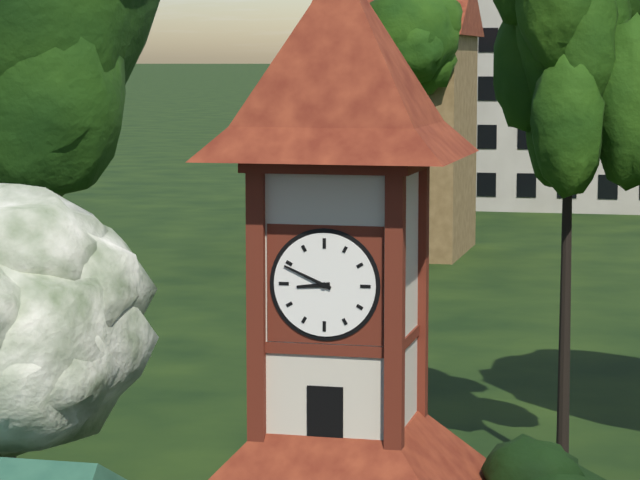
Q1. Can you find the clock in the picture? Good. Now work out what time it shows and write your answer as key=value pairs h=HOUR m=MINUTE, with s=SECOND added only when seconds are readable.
h=8 m=49
